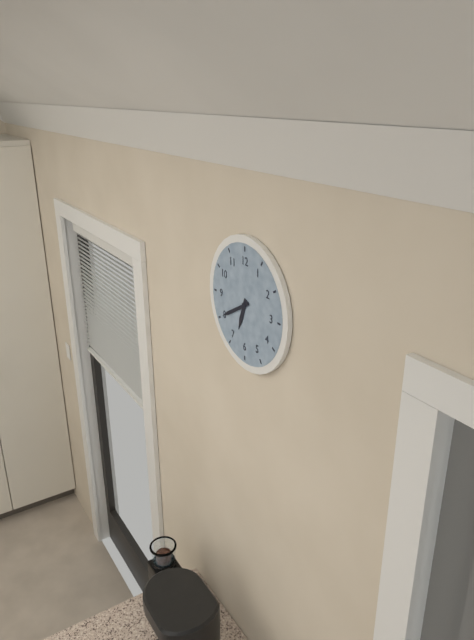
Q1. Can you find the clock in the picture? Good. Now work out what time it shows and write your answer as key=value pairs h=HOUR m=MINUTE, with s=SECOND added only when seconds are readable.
h=6 m=40
